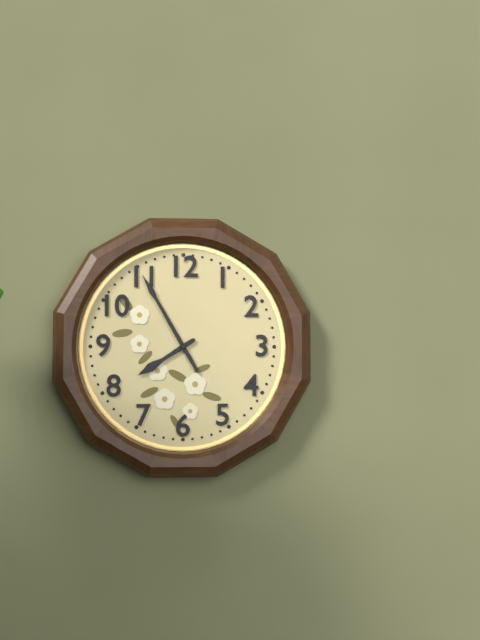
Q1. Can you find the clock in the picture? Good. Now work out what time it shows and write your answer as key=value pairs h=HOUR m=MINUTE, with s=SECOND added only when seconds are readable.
h=7 m=55
